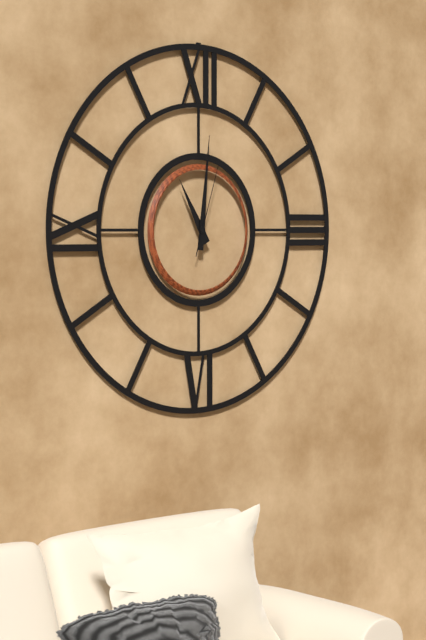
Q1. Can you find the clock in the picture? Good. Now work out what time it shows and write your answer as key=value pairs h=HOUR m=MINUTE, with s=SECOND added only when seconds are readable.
h=11 m=1 s=3
